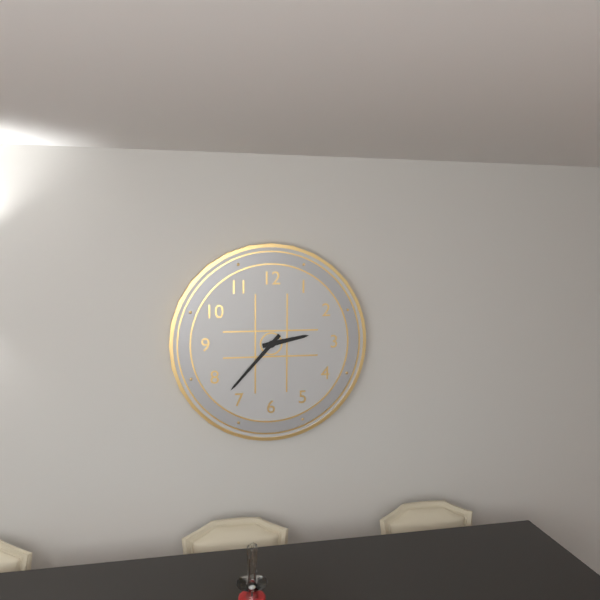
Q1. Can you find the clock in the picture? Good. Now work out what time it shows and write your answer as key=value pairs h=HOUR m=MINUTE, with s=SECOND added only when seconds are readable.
h=2 m=37
